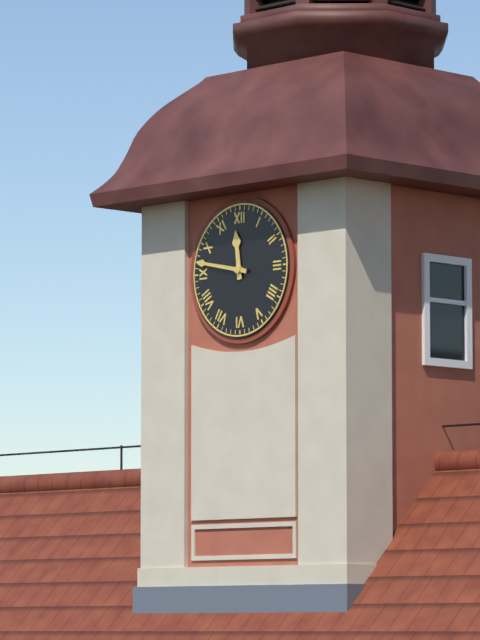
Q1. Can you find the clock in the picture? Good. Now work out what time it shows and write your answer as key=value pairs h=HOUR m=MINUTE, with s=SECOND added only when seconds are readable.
h=11 m=47
